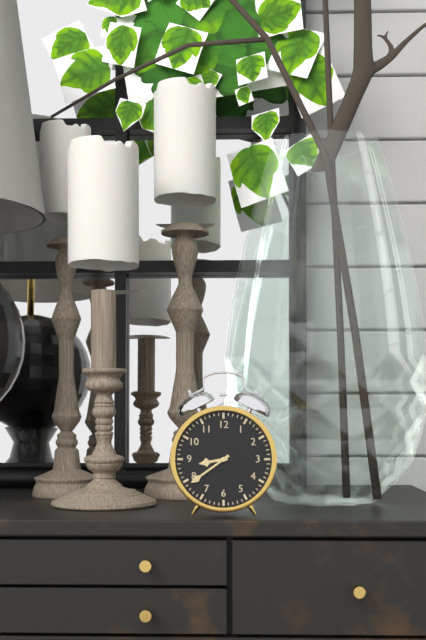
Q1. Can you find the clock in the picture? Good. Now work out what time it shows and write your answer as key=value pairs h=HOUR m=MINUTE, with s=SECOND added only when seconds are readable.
h=8 m=39
